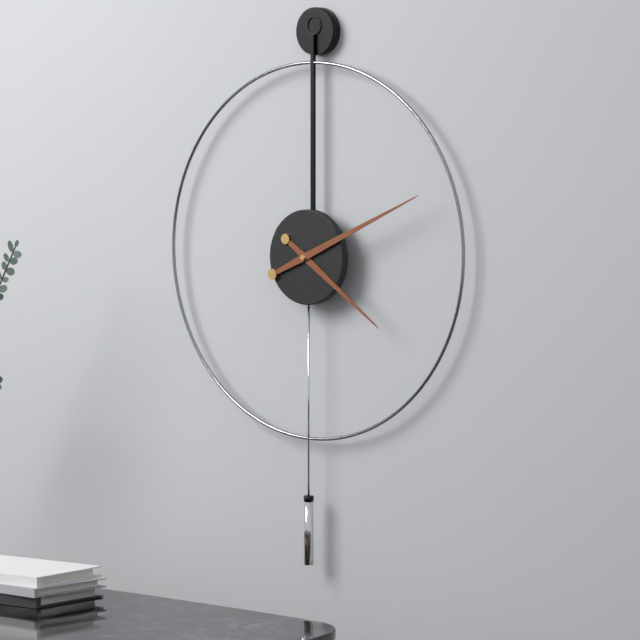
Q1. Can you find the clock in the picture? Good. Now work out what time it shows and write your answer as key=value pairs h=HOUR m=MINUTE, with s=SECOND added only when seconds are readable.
h=4 m=11
